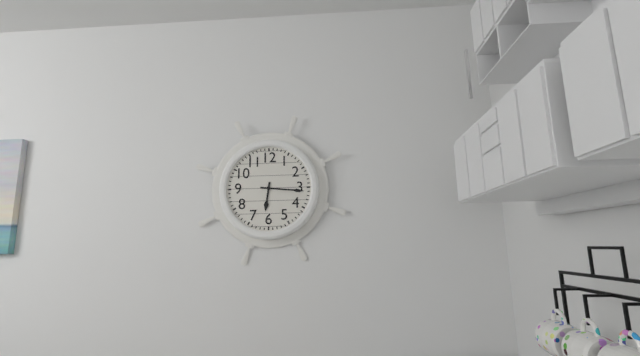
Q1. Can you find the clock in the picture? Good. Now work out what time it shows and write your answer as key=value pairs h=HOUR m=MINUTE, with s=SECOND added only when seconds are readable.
h=6 m=16
